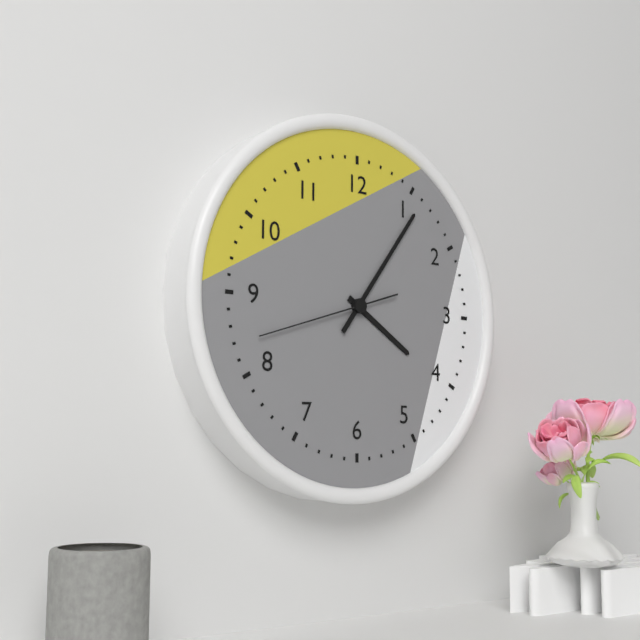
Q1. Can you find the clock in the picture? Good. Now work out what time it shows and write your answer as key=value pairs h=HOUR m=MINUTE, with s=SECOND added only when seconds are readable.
h=4 m=6 s=42
